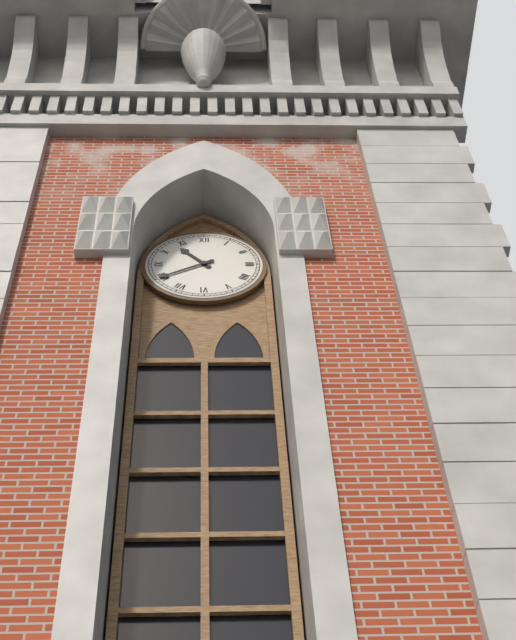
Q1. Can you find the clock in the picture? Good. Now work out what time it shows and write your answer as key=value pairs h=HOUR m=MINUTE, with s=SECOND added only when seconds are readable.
h=10 m=40
